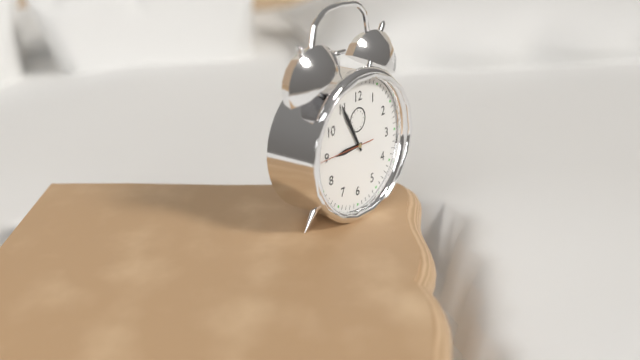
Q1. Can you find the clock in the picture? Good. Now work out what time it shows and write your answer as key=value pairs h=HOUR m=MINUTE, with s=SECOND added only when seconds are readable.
h=8 m=55 s=45
